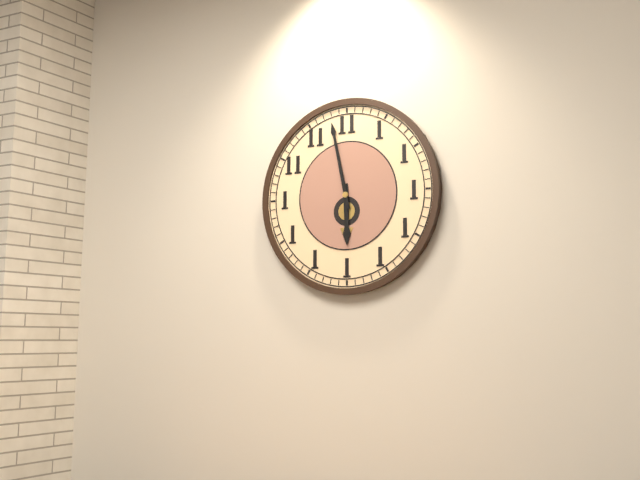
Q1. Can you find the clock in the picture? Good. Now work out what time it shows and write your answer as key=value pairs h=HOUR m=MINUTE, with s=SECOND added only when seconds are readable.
h=5 m=58
